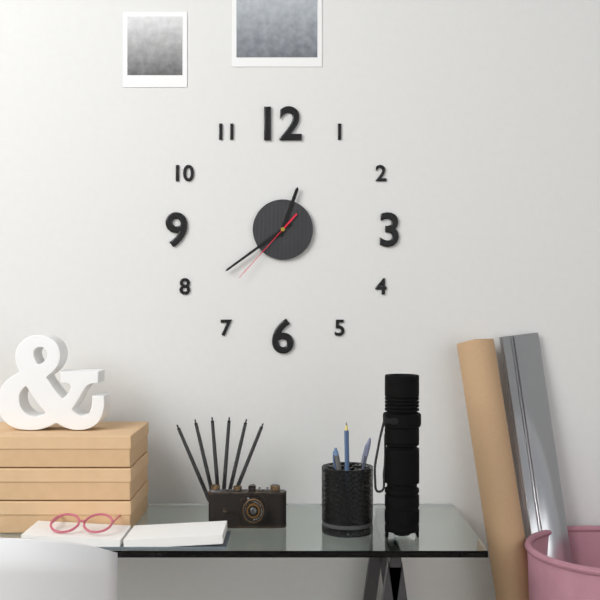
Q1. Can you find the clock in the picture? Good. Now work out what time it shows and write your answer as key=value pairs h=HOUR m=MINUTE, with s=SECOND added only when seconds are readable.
h=12 m=39 s=37
